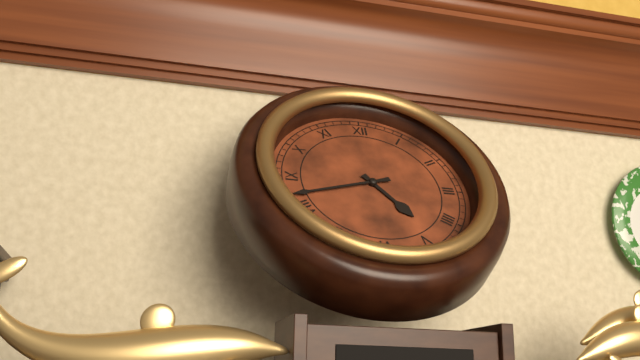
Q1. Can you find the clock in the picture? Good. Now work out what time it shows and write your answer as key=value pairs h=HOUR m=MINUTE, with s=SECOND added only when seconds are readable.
h=4 m=42
